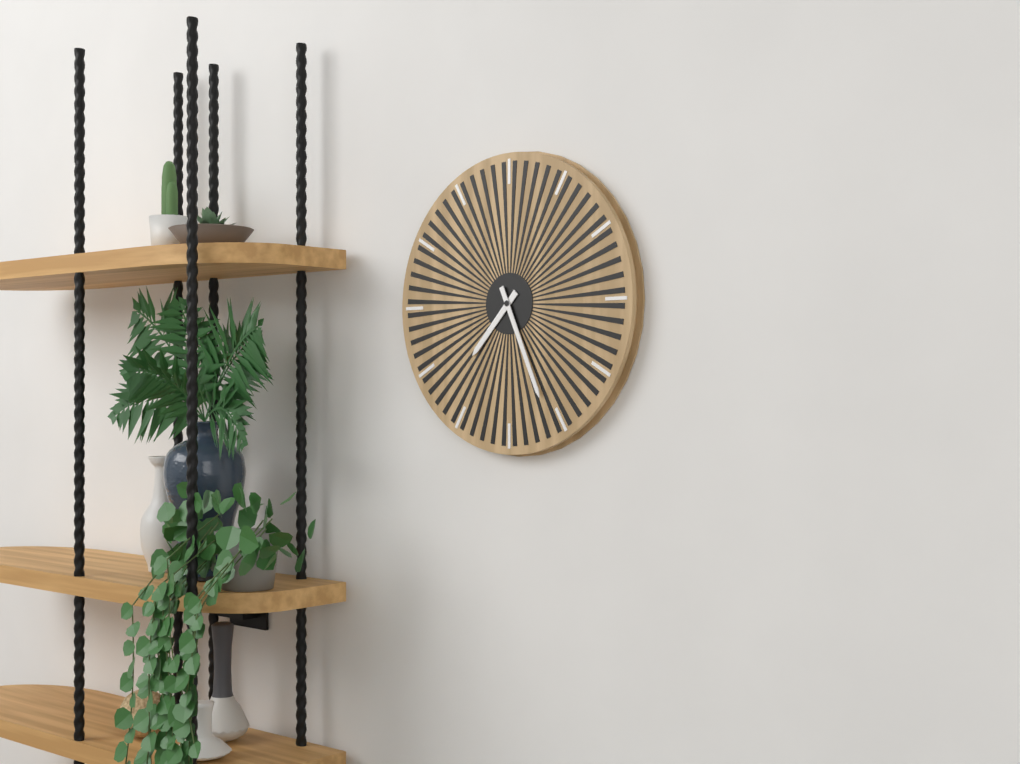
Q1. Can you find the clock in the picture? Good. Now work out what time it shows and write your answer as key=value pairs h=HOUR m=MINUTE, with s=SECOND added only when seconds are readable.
h=7 m=26
